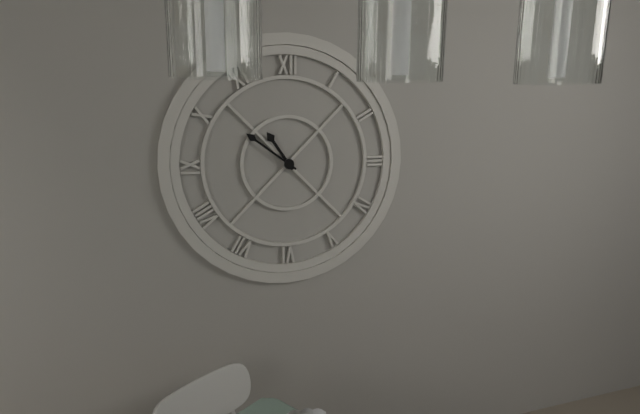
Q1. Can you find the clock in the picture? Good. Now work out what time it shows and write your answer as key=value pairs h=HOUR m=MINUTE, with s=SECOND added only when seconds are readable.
h=10 m=51
